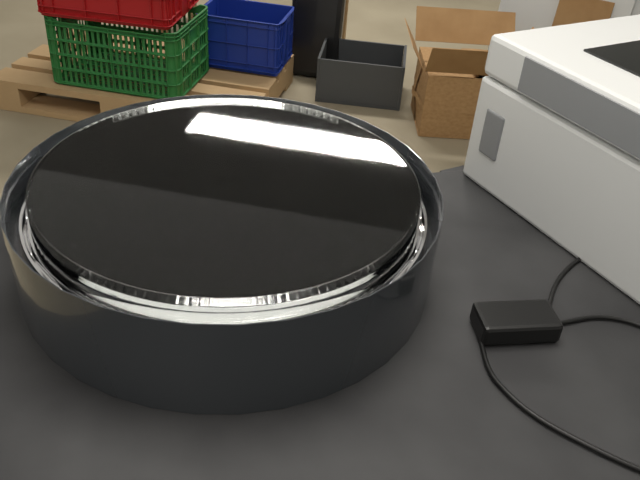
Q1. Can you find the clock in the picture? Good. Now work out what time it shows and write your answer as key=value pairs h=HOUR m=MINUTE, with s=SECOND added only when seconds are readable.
h=8 m=30
